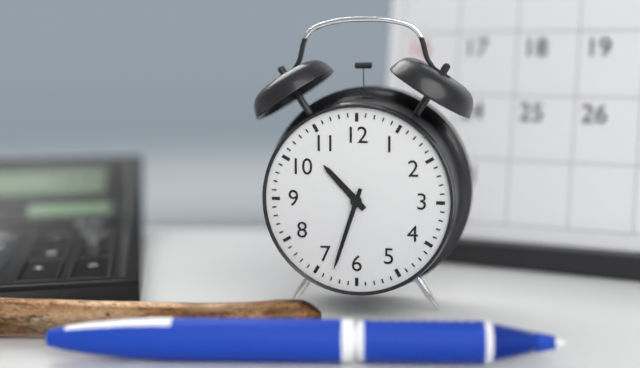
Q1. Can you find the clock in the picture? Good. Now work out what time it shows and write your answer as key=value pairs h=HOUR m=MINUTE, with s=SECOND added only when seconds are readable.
h=10 m=33
